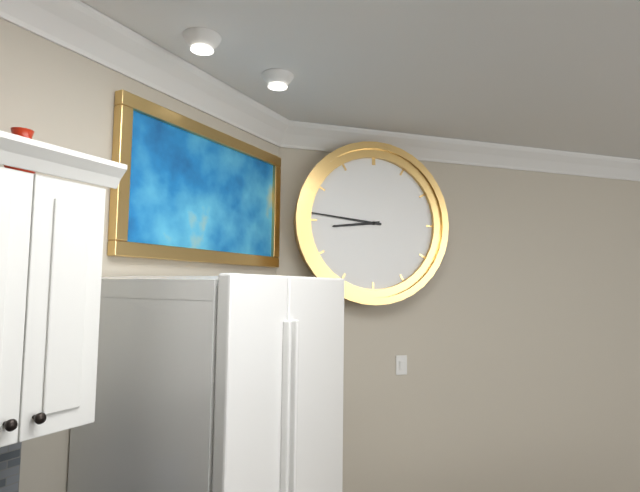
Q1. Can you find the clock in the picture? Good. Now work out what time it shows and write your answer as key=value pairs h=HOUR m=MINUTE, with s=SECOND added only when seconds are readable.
h=8 m=46
